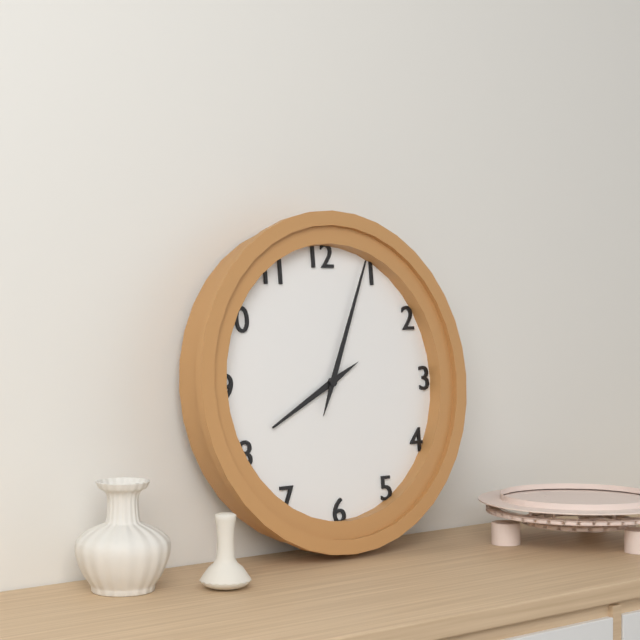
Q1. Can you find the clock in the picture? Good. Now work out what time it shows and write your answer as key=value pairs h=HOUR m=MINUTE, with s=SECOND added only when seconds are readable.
h=8 m=4
